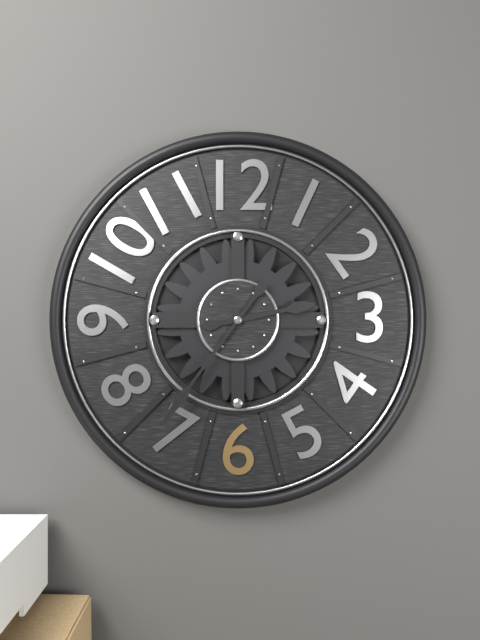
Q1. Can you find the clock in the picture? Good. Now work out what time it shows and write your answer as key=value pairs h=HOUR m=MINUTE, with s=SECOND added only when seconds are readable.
h=2 m=36
